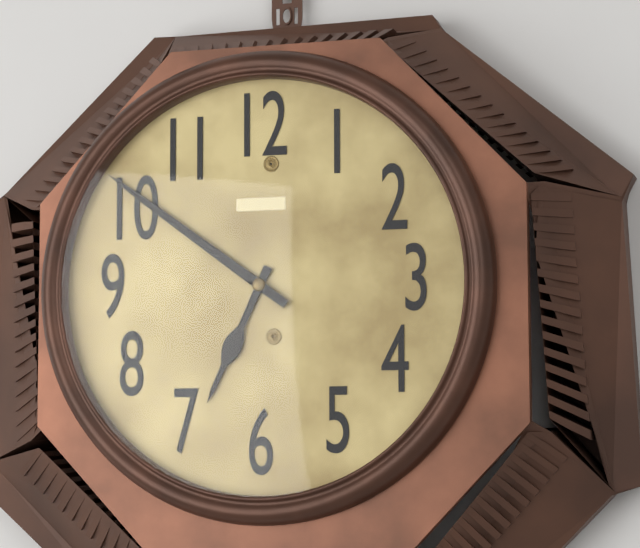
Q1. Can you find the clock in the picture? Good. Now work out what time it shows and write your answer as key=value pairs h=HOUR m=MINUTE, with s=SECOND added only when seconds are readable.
h=6 m=51
